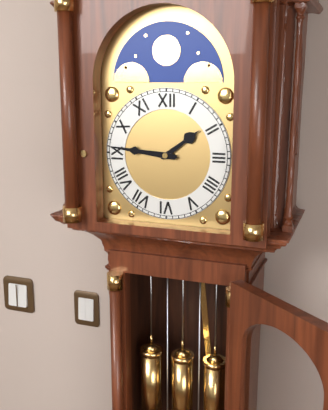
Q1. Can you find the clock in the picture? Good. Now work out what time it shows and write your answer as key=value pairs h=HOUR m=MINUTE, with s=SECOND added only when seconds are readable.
h=1 m=46
